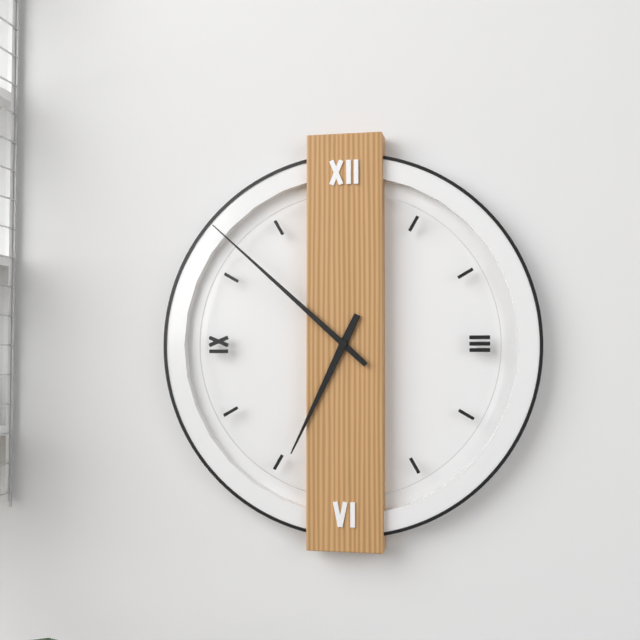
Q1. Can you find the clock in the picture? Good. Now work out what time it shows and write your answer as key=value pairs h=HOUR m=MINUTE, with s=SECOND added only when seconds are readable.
h=6 m=52
